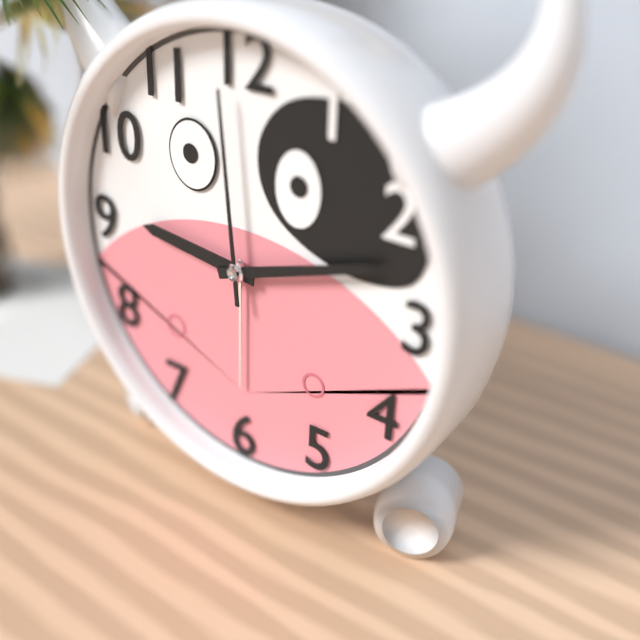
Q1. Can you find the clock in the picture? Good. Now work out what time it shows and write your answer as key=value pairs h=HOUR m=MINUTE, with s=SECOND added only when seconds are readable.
h=9 m=12 s=59
